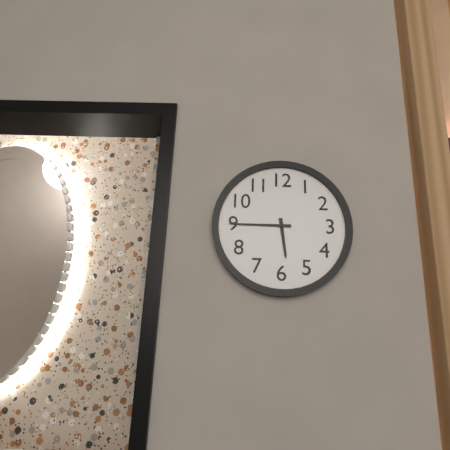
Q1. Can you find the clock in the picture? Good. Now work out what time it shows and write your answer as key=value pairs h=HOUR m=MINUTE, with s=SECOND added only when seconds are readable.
h=5 m=45
